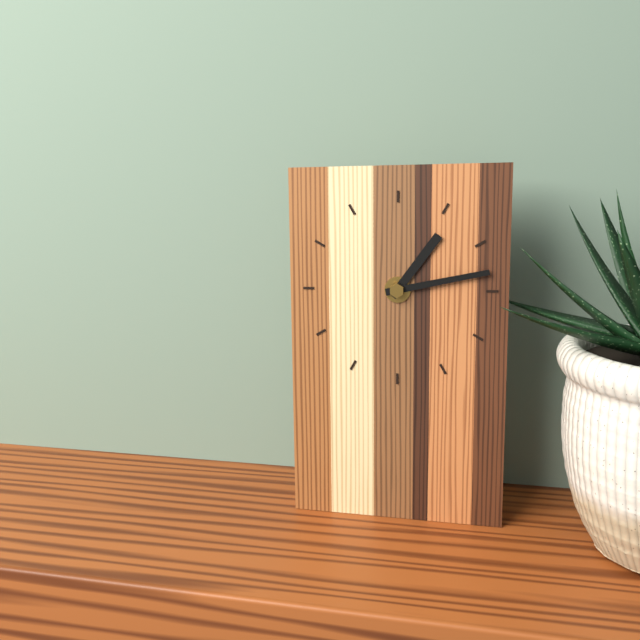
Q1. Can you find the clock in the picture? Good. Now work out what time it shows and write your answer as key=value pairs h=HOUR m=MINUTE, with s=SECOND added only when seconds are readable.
h=1 m=13
